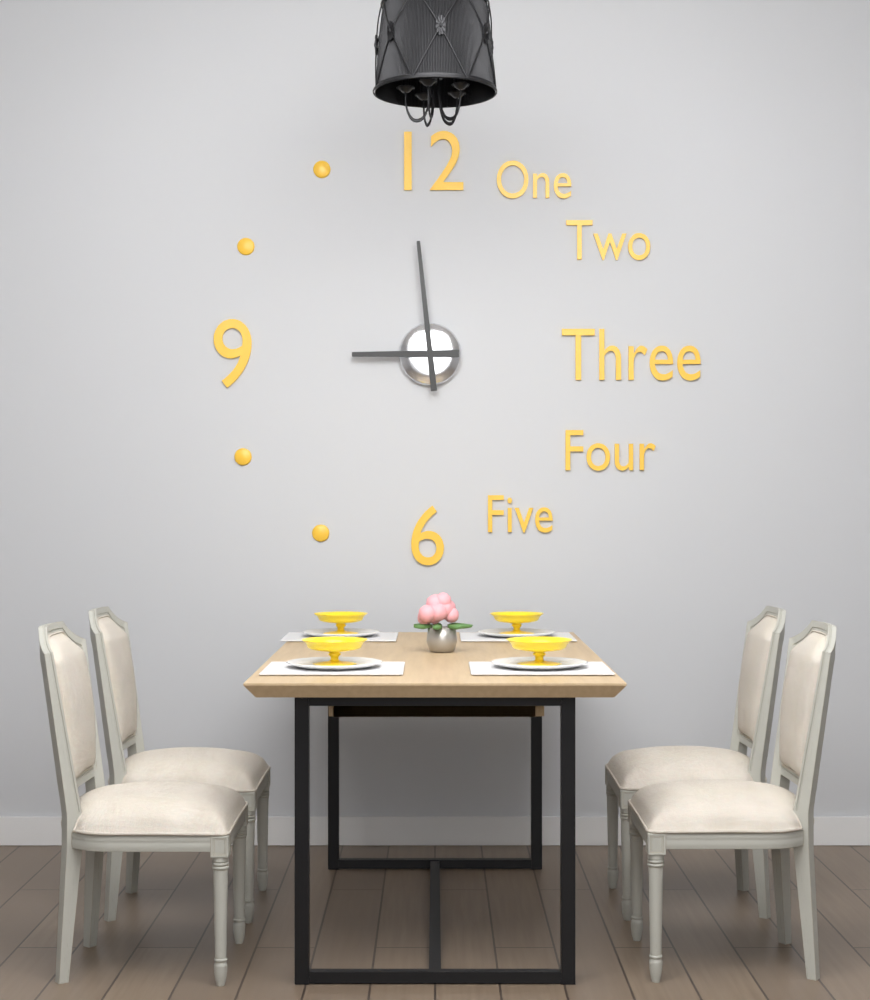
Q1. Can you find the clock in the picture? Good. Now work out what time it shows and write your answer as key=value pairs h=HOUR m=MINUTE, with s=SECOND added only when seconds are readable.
h=8 m=59
